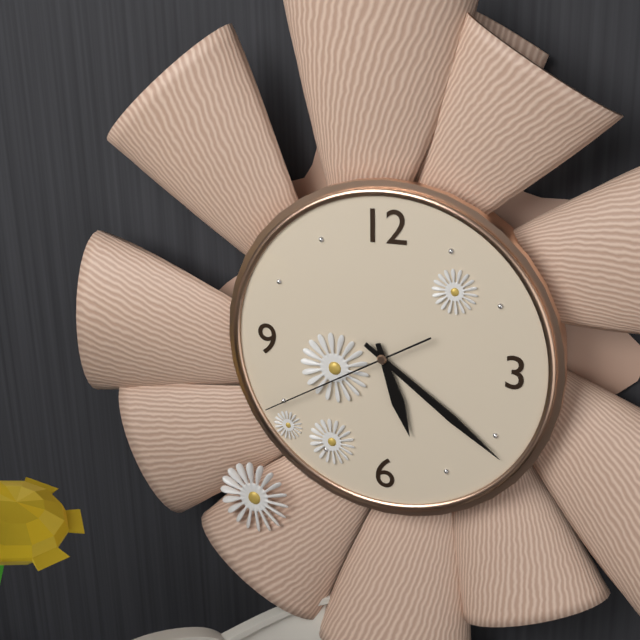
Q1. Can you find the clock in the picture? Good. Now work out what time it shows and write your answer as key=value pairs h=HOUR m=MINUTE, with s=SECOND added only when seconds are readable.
h=5 m=21 s=40
